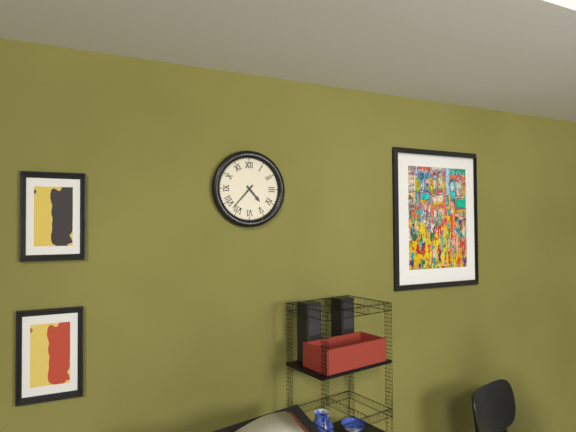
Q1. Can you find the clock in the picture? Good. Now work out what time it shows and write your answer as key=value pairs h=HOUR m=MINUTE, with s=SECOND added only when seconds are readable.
h=4 m=37
